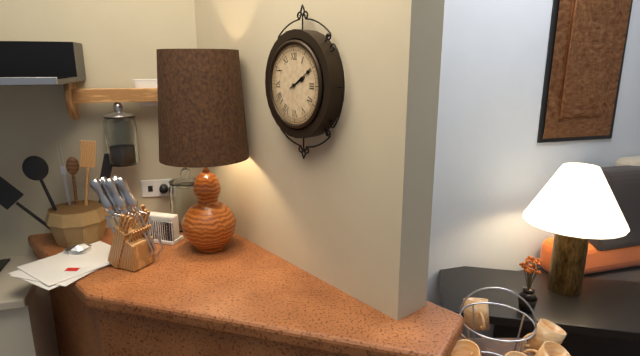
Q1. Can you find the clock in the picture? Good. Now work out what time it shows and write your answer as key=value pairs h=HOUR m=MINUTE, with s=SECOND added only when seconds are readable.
h=2 m=10
